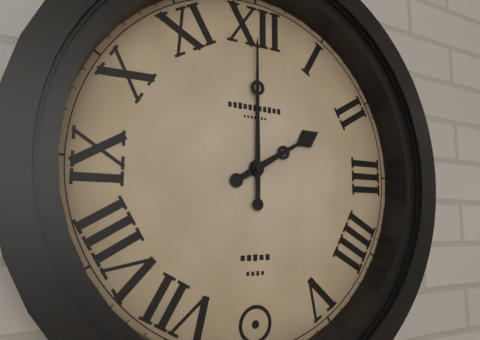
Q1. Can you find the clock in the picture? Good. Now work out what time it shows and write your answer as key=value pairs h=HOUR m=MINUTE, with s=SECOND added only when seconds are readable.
h=2 m=0
